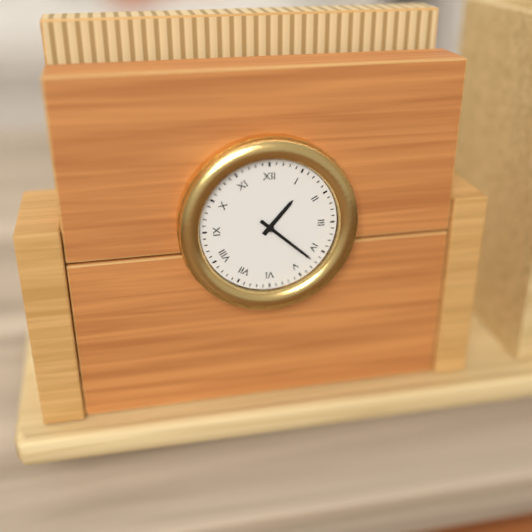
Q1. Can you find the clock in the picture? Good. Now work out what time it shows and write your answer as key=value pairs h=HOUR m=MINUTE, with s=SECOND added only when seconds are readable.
h=1 m=22
